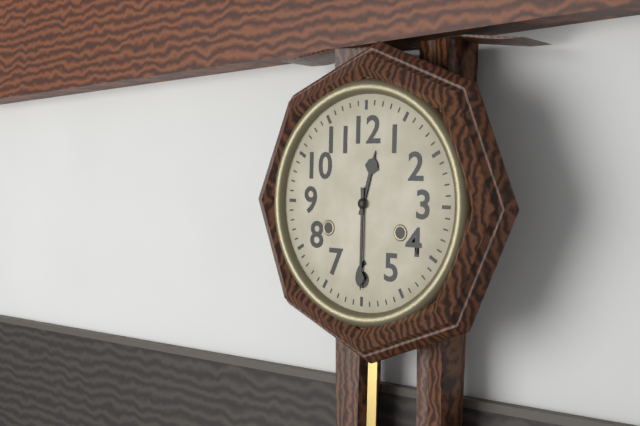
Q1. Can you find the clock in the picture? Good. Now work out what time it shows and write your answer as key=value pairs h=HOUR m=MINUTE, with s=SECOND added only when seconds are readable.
h=12 m=30
